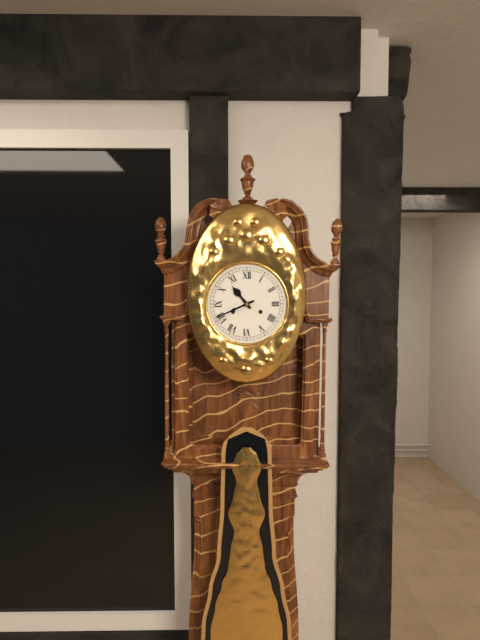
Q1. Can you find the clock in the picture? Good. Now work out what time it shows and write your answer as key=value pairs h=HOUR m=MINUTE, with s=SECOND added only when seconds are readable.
h=10 m=41
